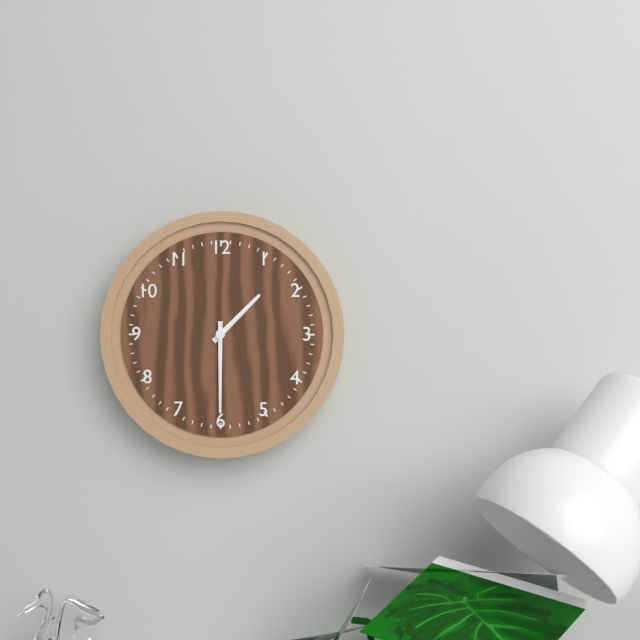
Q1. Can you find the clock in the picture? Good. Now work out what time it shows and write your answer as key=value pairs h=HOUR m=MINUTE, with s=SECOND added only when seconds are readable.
h=1 m=30
